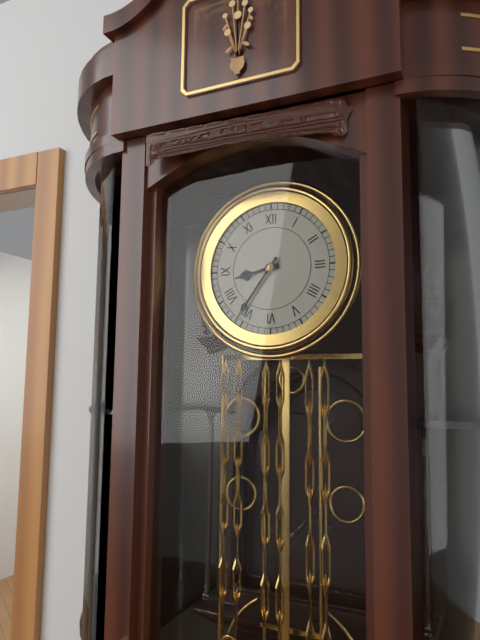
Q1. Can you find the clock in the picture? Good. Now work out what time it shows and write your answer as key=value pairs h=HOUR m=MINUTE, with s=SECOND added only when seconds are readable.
h=8 m=36
